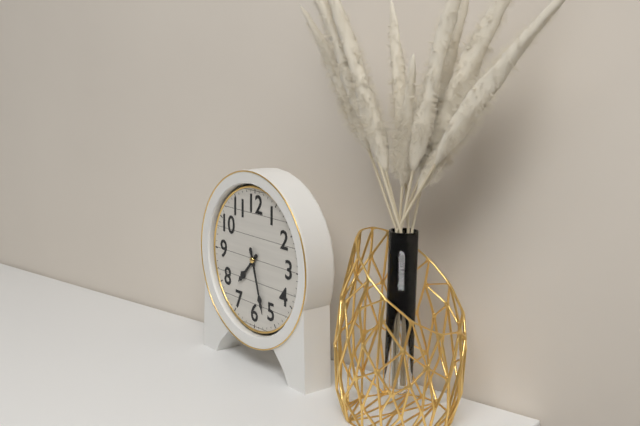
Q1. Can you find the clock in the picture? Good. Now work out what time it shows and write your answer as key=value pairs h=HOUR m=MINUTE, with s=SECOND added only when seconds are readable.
h=7 m=27
